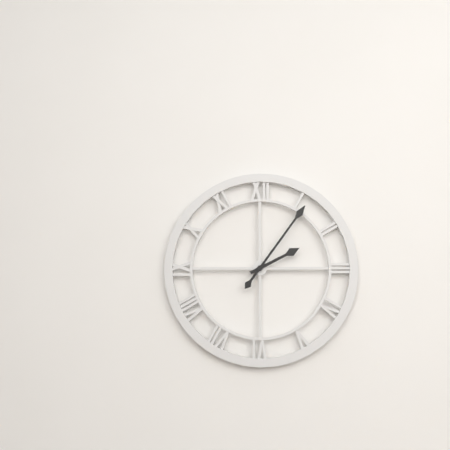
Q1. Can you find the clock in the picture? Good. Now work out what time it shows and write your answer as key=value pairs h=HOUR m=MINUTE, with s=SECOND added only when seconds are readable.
h=2 m=6
